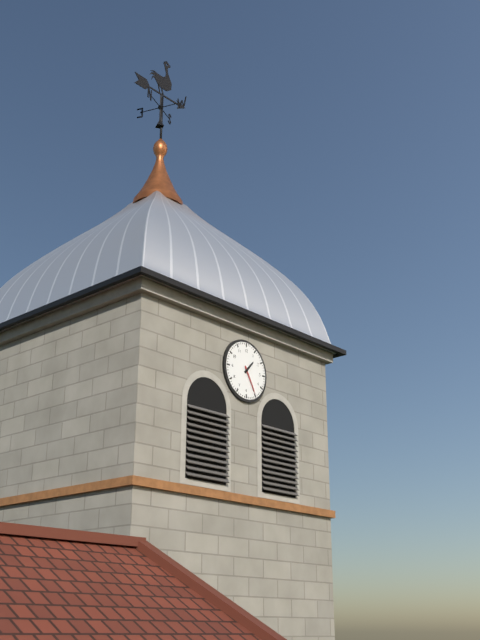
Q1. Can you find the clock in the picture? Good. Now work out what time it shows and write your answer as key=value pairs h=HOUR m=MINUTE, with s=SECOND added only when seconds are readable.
h=1 m=25
